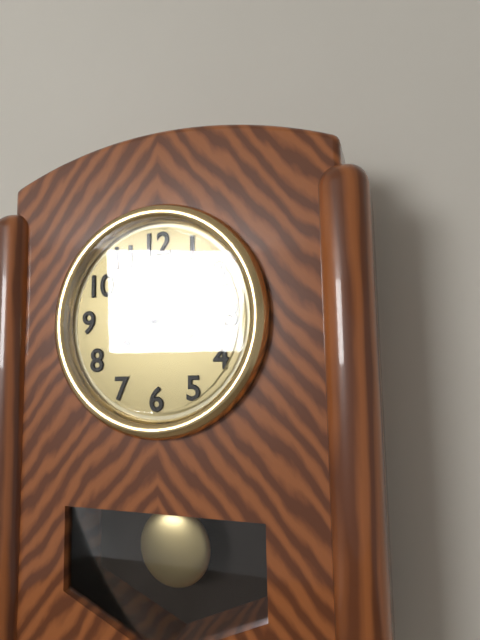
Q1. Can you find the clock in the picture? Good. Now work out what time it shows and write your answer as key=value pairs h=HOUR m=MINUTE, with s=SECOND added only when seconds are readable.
h=2 m=13
